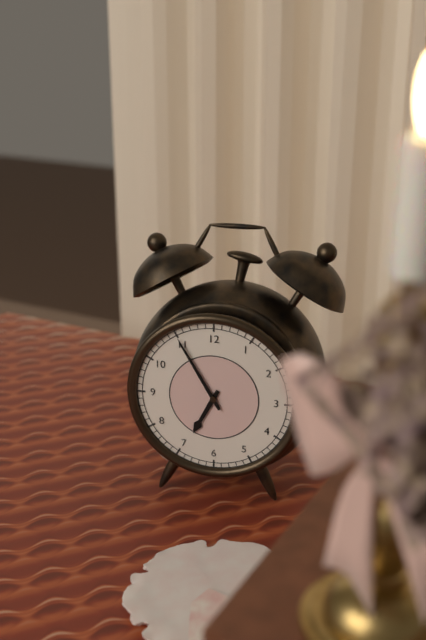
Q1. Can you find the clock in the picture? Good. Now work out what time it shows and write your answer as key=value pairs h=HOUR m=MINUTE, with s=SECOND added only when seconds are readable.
h=6 m=55
